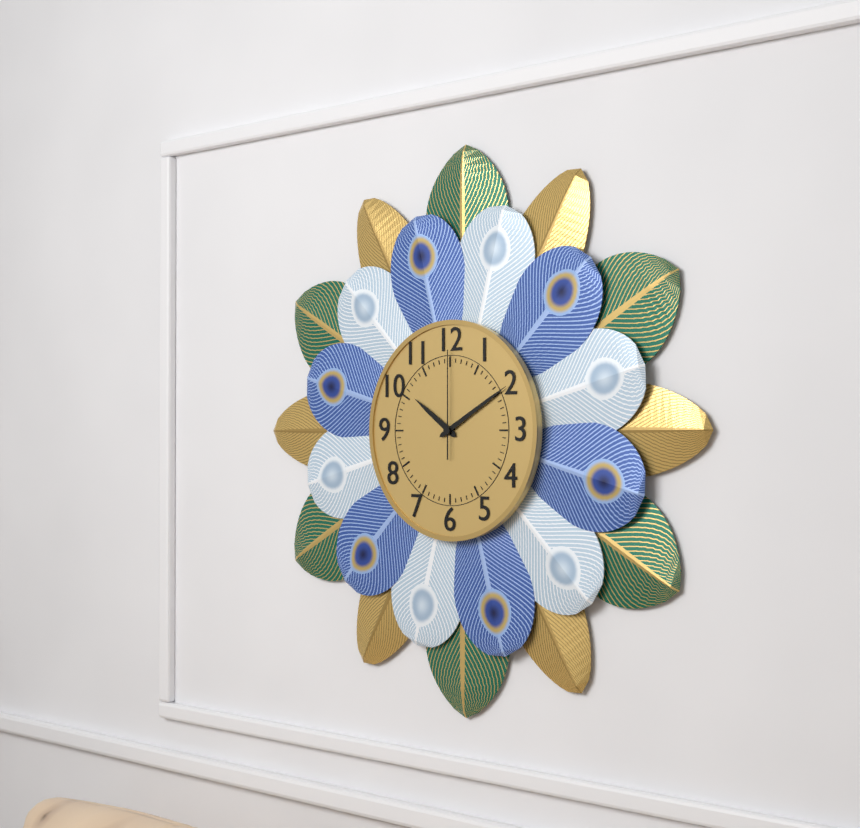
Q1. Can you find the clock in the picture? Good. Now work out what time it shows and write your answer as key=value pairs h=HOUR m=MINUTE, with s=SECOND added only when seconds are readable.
h=10 m=10 s=0
